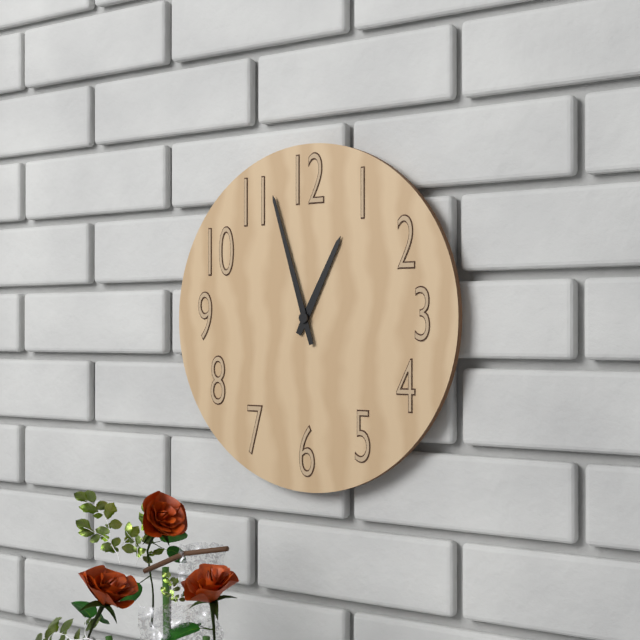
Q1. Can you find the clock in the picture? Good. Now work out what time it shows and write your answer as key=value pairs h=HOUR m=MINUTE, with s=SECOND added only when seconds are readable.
h=12 m=57
